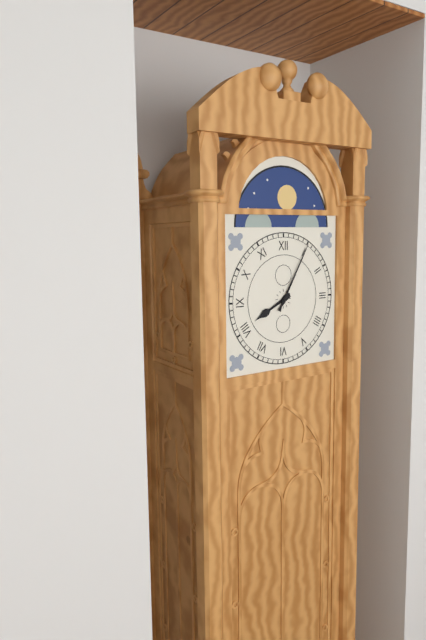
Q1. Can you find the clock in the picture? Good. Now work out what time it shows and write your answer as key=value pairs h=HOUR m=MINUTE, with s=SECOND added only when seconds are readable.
h=8 m=5
